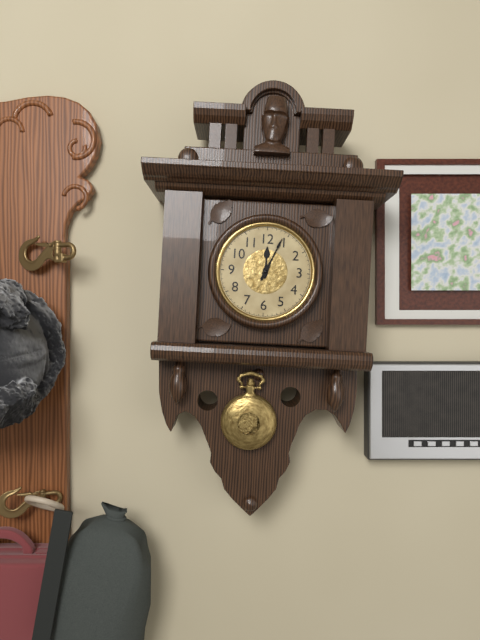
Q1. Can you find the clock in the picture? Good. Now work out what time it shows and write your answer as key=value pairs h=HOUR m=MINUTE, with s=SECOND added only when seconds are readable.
h=12 m=4
